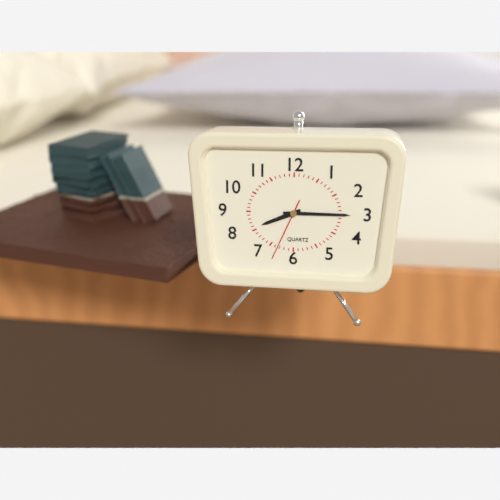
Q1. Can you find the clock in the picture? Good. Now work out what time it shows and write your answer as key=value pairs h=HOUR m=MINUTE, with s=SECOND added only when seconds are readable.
h=8 m=15 s=34
